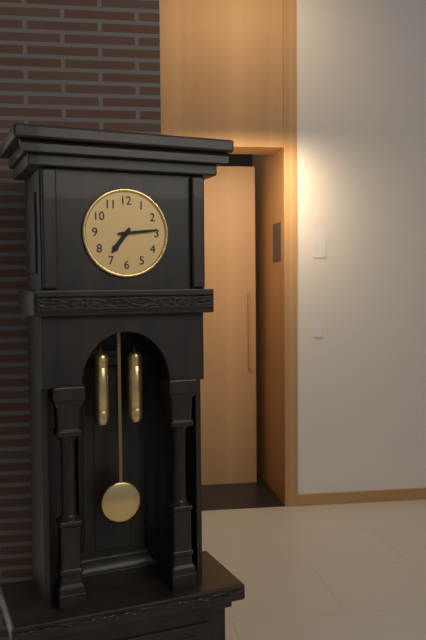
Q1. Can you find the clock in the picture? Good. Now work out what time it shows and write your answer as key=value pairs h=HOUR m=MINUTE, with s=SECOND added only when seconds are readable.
h=7 m=14
